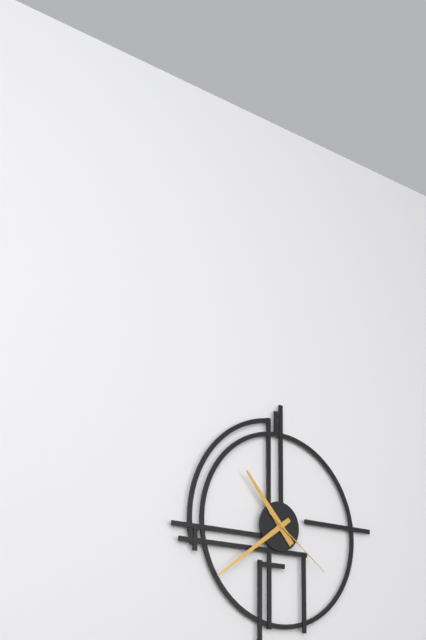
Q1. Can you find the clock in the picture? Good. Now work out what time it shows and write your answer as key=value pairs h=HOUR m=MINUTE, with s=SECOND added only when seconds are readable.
h=10 m=39 s=21
